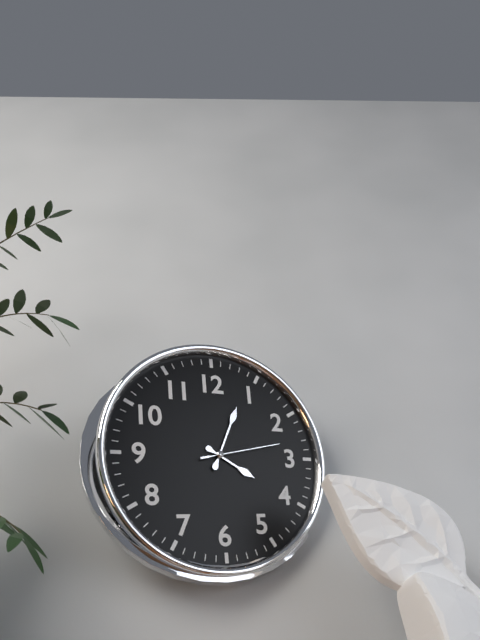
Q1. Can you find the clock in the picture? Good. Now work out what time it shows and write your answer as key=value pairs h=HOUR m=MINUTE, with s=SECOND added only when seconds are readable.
h=4 m=4 s=13
